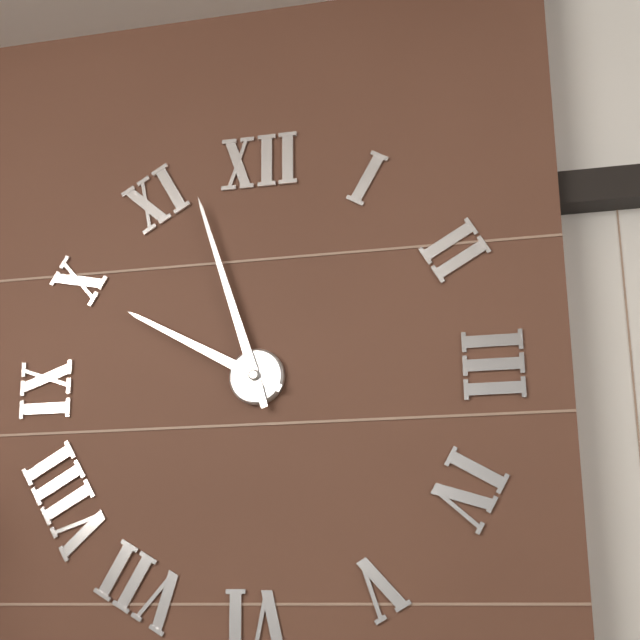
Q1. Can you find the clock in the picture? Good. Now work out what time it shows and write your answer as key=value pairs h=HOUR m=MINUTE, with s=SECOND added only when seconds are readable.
h=9 m=57
